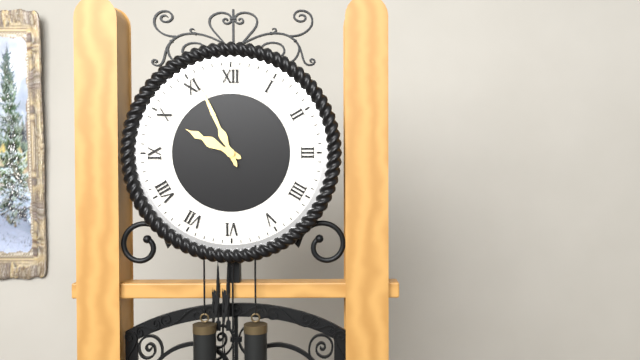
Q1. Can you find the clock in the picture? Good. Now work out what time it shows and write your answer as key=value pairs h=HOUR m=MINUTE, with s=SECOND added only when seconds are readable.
h=9 m=56
